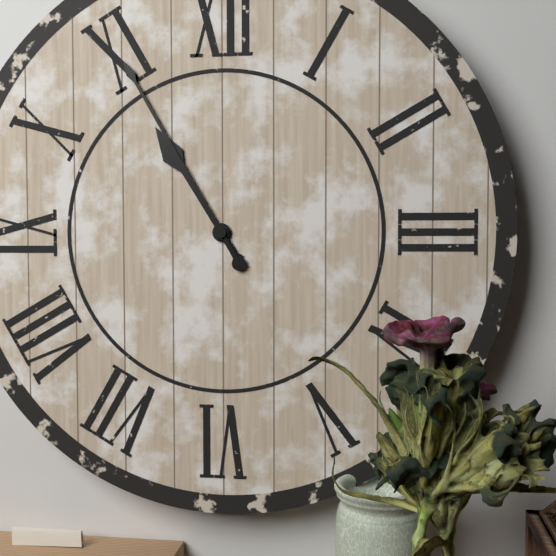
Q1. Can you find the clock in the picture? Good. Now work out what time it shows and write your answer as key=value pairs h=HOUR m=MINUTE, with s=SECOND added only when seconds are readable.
h=10 m=55
